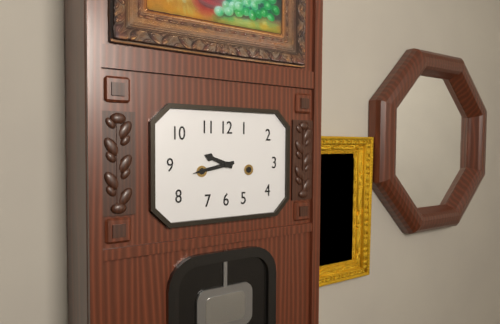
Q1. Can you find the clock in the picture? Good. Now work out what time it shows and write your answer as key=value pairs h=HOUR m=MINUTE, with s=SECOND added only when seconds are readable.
h=9 m=43
